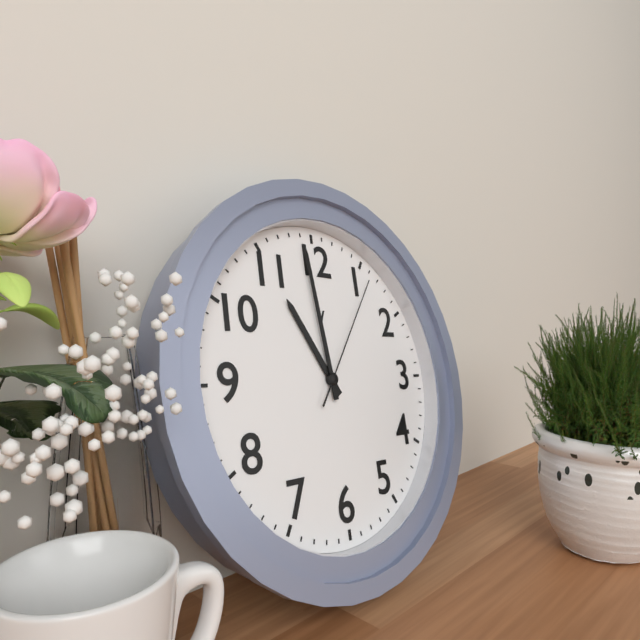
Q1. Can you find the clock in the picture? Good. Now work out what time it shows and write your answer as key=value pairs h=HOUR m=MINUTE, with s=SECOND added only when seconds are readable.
h=10 m=59 s=6
